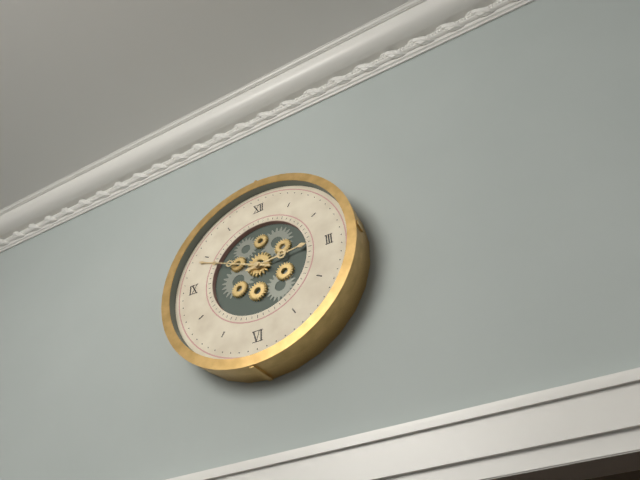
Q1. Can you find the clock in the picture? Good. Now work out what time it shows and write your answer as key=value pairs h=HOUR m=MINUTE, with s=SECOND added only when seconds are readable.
h=2 m=49
